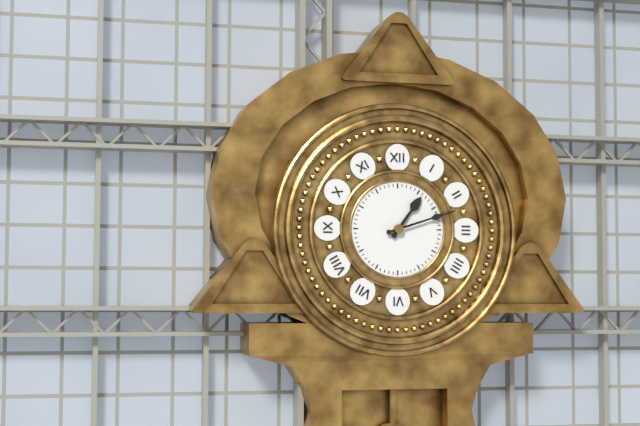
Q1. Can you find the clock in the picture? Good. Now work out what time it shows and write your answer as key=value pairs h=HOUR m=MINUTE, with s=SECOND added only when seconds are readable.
h=1 m=12
